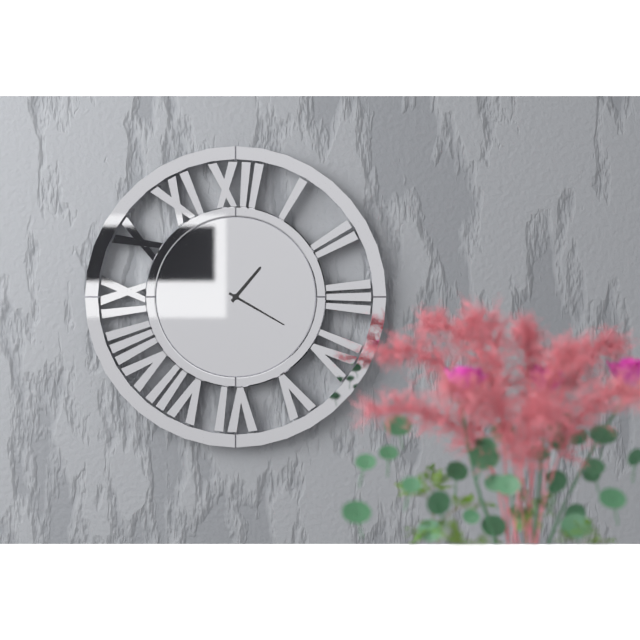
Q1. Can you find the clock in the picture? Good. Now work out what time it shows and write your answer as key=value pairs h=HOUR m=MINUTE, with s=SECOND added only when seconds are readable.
h=1 m=20
